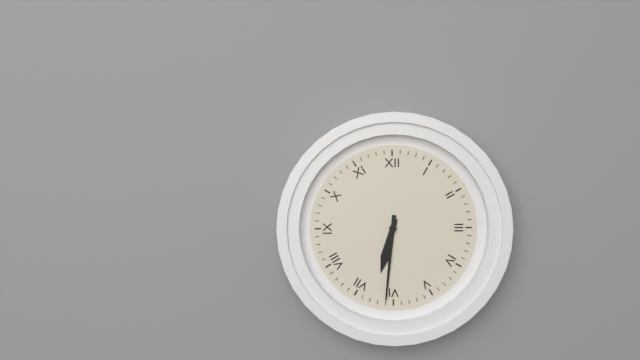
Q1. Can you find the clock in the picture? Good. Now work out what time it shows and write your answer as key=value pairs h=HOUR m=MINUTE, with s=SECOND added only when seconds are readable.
h=6 m=31
